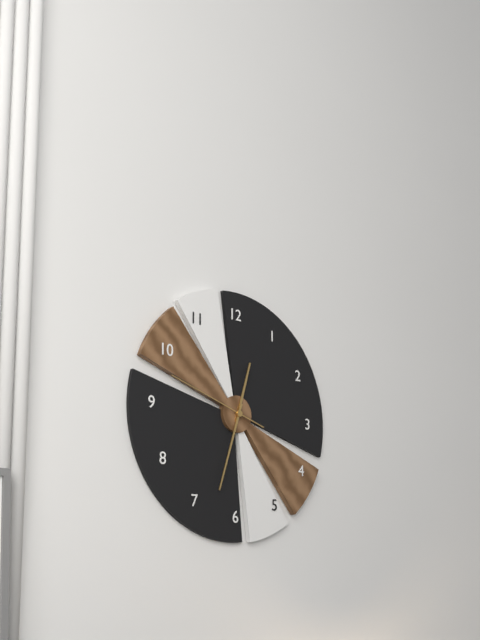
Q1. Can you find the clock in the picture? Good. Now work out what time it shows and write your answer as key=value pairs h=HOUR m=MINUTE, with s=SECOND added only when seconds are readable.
h=12 m=33 s=48
